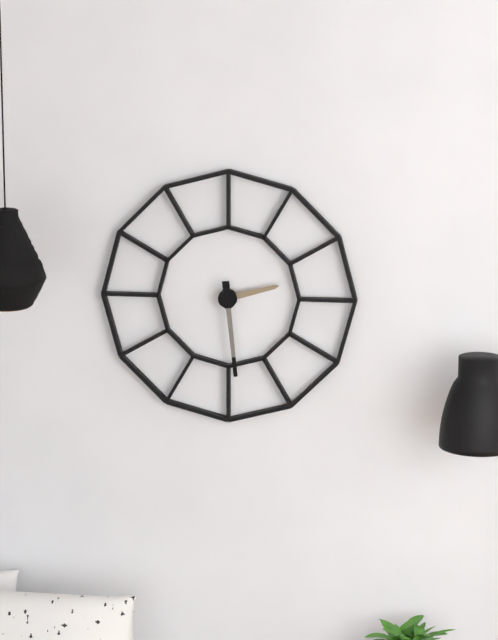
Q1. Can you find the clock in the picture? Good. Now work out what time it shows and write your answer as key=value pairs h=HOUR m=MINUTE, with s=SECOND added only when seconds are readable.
h=2 m=29
